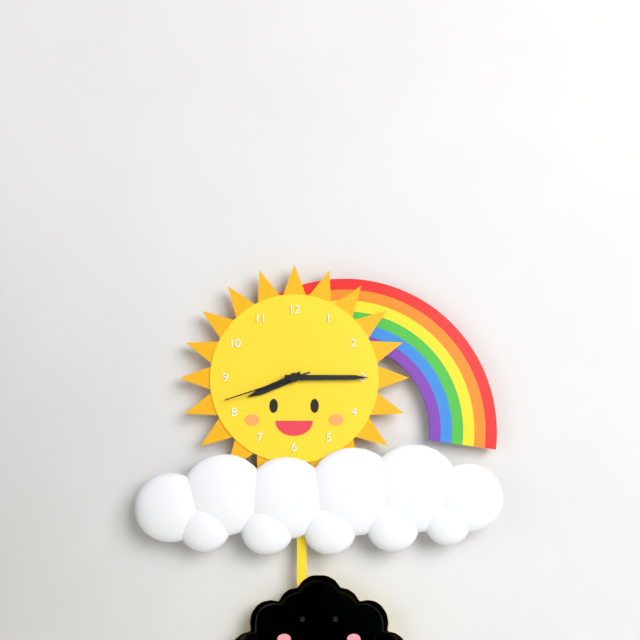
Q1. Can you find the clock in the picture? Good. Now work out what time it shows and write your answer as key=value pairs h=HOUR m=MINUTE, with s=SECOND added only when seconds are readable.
h=8 m=15 s=42
